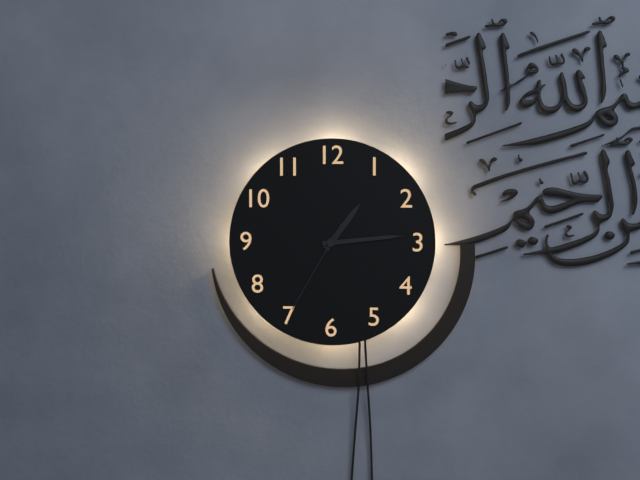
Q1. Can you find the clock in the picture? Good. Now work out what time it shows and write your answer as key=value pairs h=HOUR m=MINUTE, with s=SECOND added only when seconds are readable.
h=1 m=14 s=35
